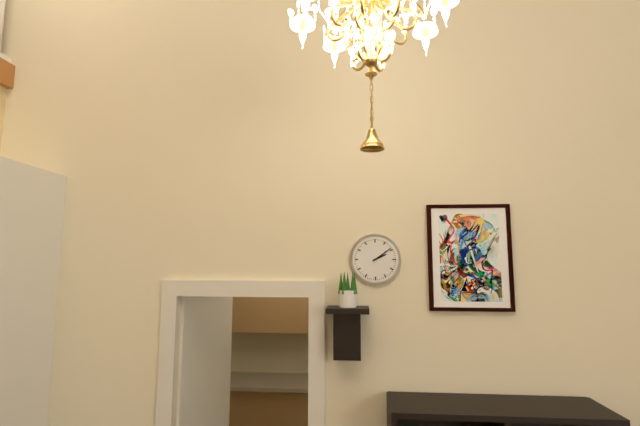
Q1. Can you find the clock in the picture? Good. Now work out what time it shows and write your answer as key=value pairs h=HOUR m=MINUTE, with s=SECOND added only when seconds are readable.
h=2 m=9
